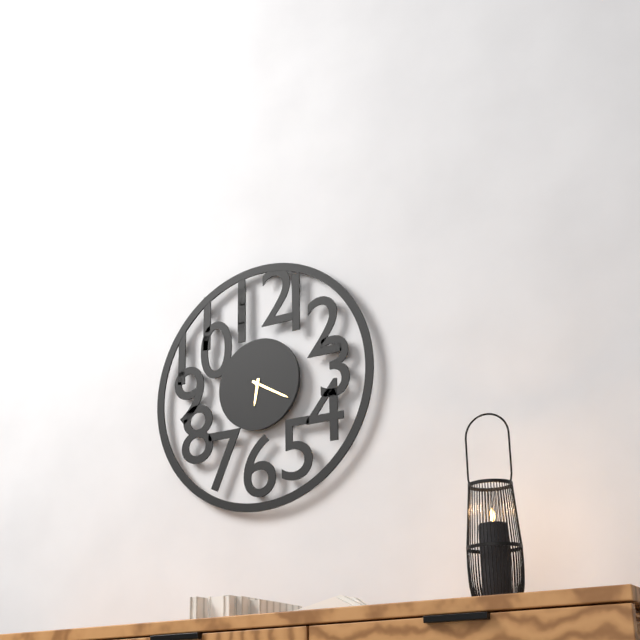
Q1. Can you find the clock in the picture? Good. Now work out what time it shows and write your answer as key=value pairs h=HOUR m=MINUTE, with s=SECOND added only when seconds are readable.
h=6 m=20
